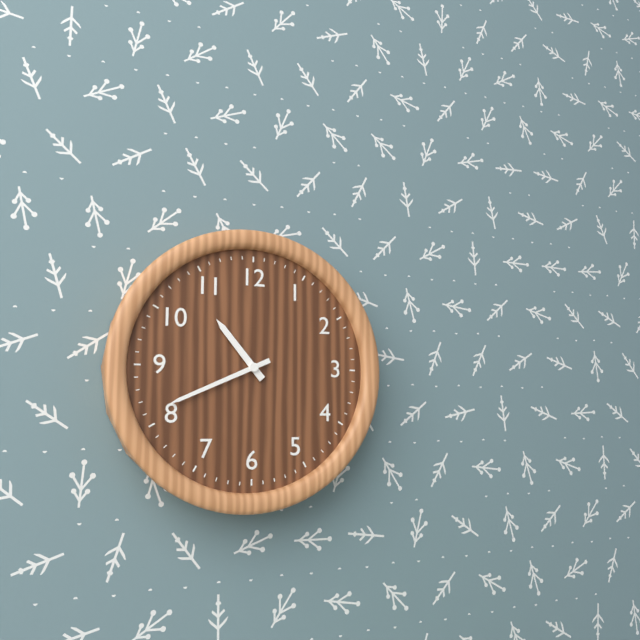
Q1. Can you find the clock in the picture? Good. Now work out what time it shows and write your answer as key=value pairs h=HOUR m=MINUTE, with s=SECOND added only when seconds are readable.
h=10 m=41
